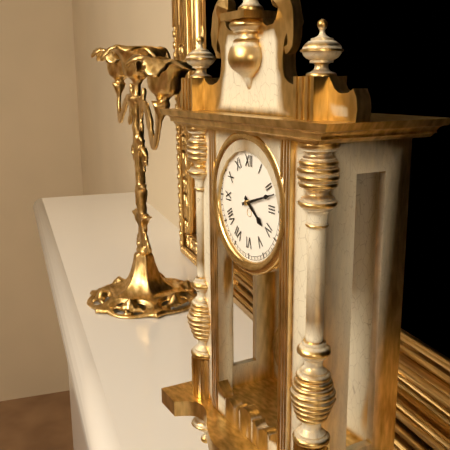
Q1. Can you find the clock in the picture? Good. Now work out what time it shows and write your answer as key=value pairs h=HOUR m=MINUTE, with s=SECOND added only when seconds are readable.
h=4 m=12
